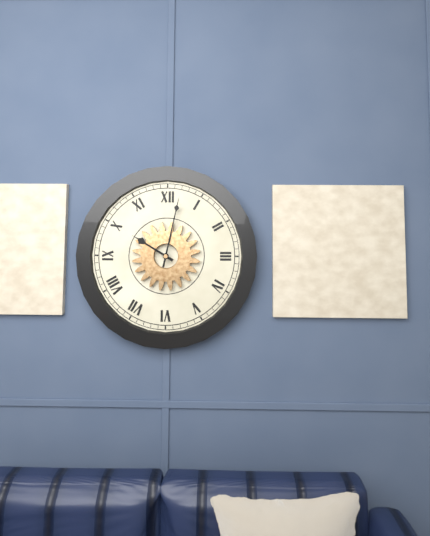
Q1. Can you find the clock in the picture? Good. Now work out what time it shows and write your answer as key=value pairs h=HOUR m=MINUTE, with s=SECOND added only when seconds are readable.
h=10 m=2
